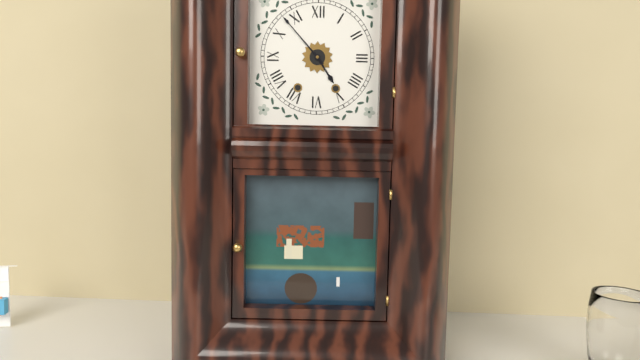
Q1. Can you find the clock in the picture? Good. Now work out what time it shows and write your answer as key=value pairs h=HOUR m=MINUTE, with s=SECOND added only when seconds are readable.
h=4 m=53
